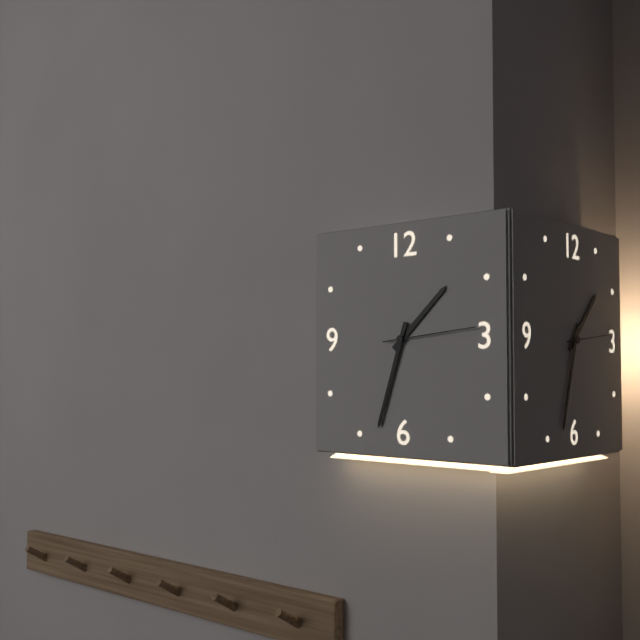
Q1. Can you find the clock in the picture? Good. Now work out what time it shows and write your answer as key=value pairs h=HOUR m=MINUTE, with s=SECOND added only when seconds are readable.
h=1 m=33 s=14
